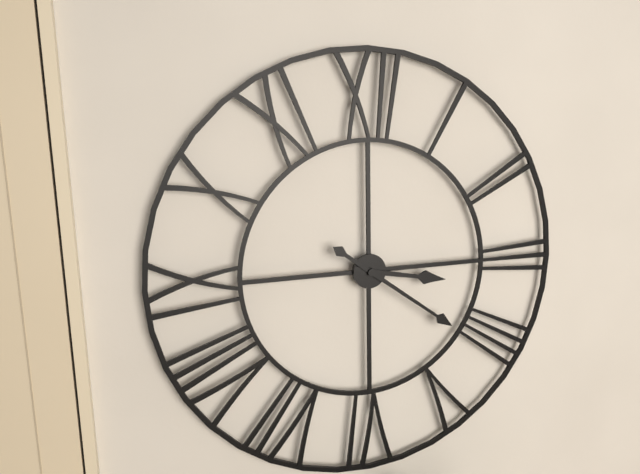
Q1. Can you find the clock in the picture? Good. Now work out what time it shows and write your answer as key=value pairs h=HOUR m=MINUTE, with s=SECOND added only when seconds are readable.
h=3 m=21
